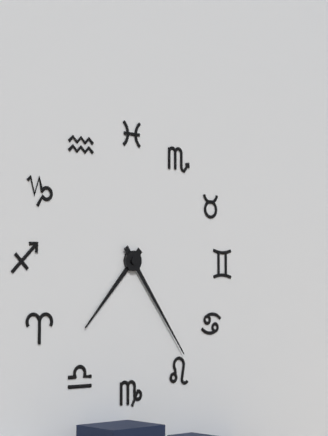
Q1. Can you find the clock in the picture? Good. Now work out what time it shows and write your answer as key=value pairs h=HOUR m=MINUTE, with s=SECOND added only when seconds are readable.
h=7 m=24
